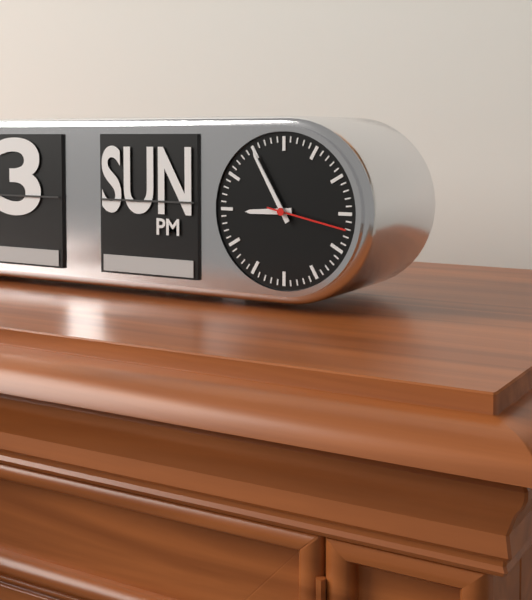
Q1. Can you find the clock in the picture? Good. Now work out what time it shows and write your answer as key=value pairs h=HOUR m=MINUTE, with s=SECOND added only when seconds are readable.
h=8 m=55 s=17
